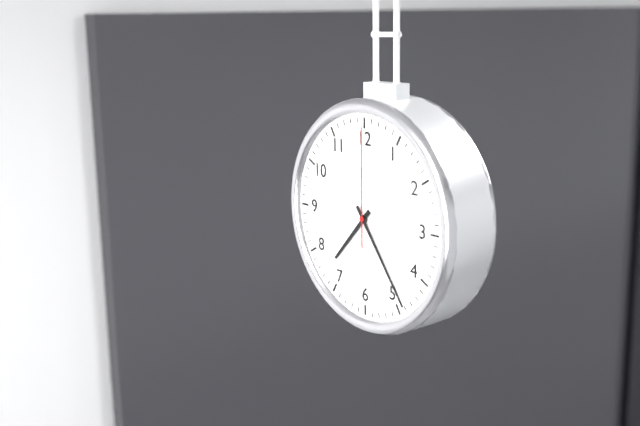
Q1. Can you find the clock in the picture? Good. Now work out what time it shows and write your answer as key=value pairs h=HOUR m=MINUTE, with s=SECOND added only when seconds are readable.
h=7 m=24 s=0
